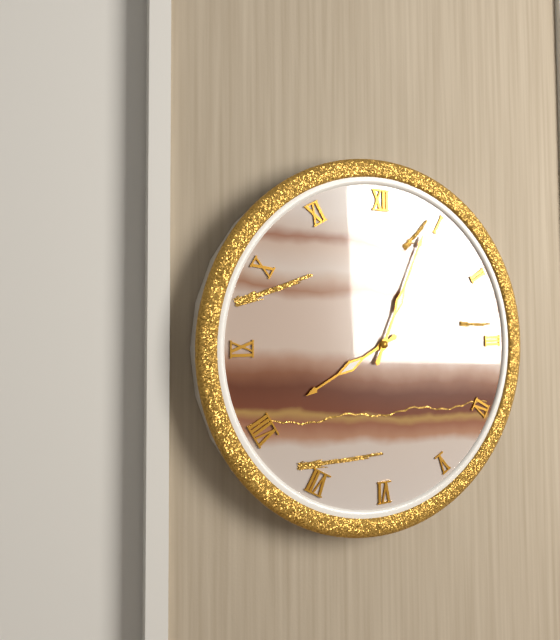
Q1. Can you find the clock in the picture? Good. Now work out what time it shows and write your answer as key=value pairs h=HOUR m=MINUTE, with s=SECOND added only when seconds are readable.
h=8 m=4
